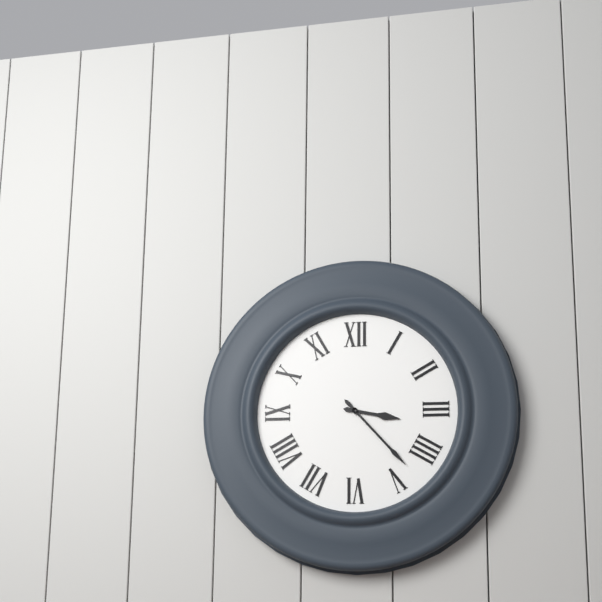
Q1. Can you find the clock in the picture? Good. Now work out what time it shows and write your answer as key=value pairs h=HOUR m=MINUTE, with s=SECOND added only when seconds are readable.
h=3 m=23
